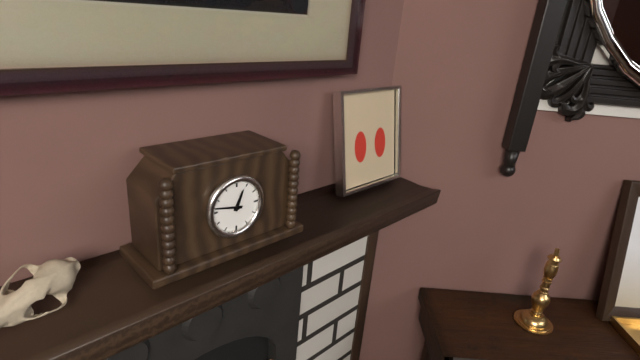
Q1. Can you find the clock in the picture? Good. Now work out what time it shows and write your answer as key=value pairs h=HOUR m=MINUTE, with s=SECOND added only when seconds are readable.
h=12 m=47
